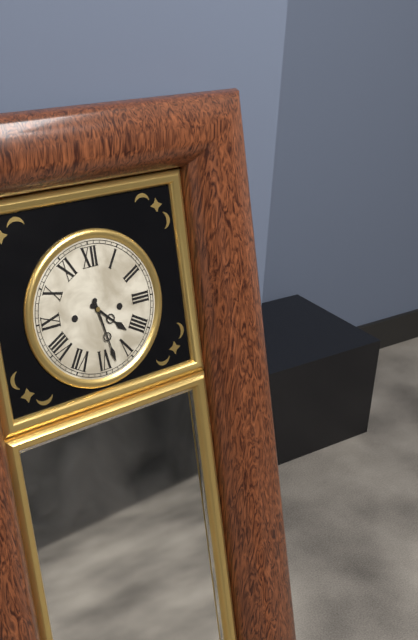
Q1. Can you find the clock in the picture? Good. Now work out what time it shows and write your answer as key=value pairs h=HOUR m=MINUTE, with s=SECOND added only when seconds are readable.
h=4 m=28
